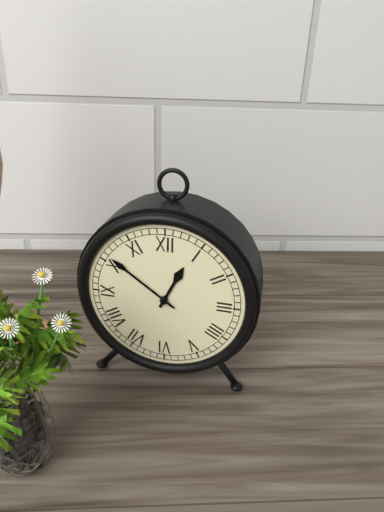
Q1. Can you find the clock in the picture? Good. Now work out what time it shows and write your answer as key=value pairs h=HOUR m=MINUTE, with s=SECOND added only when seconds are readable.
h=12 m=51
